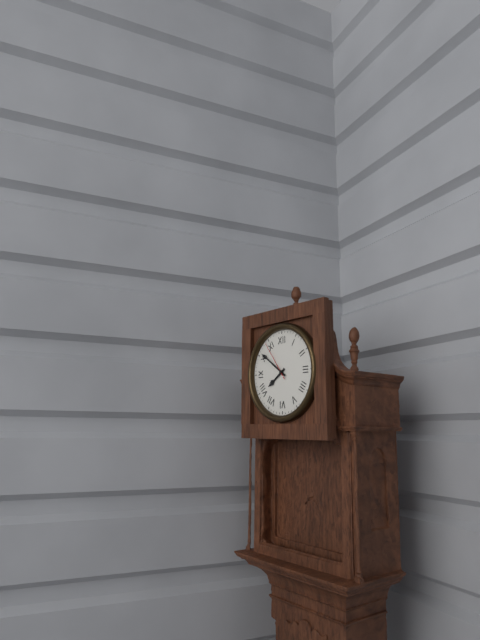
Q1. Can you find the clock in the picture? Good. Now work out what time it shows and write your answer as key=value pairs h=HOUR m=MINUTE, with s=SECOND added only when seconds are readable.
h=7 m=51
